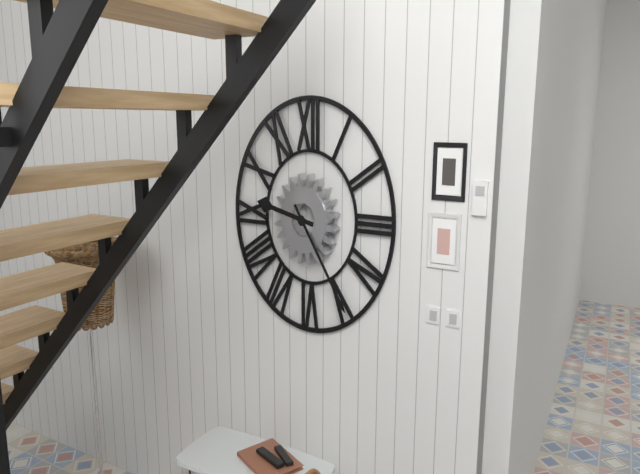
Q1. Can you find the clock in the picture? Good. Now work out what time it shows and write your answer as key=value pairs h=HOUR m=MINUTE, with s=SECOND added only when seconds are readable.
h=9 m=24
